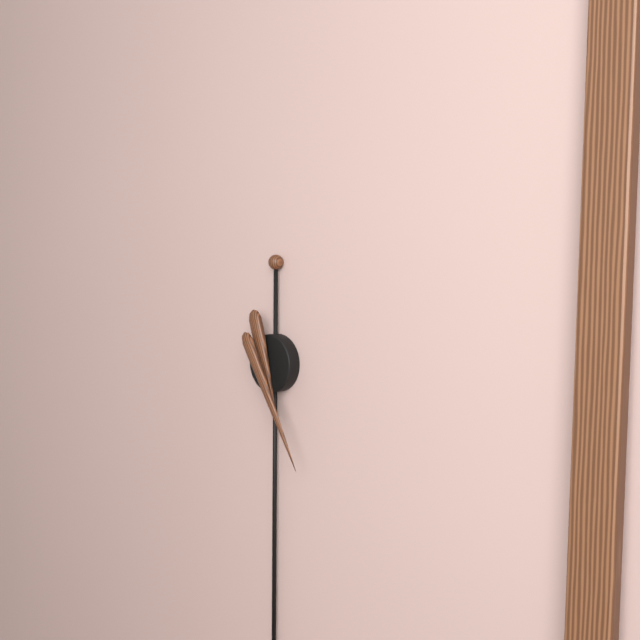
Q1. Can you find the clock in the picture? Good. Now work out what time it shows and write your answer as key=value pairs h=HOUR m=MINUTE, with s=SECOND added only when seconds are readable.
h=5 m=25
